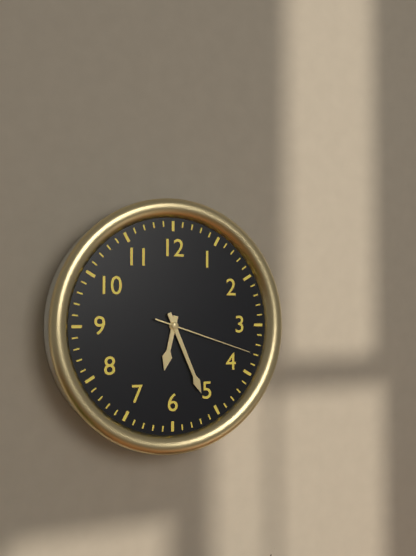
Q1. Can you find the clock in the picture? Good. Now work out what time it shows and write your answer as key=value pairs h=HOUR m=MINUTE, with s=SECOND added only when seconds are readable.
h=6 m=26 s=18
